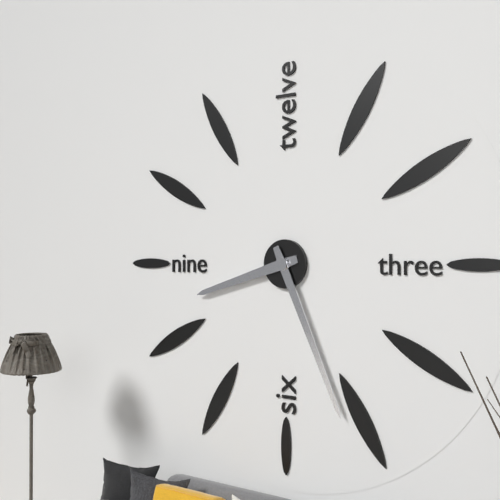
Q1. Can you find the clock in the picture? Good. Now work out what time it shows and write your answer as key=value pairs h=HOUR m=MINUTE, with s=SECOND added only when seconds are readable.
h=8 m=26
